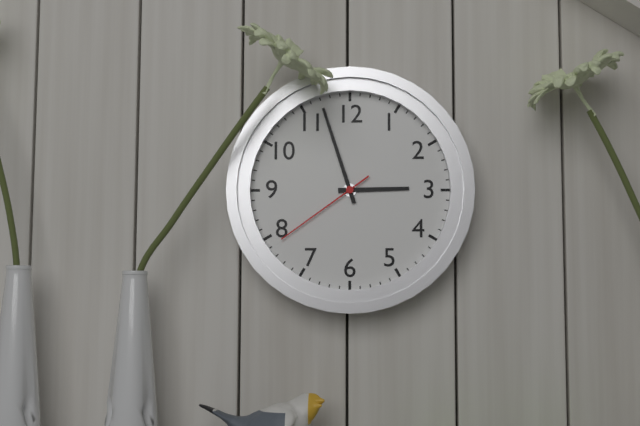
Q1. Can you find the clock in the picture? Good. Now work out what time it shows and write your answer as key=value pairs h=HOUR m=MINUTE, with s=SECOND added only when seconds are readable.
h=2 m=57 s=39
